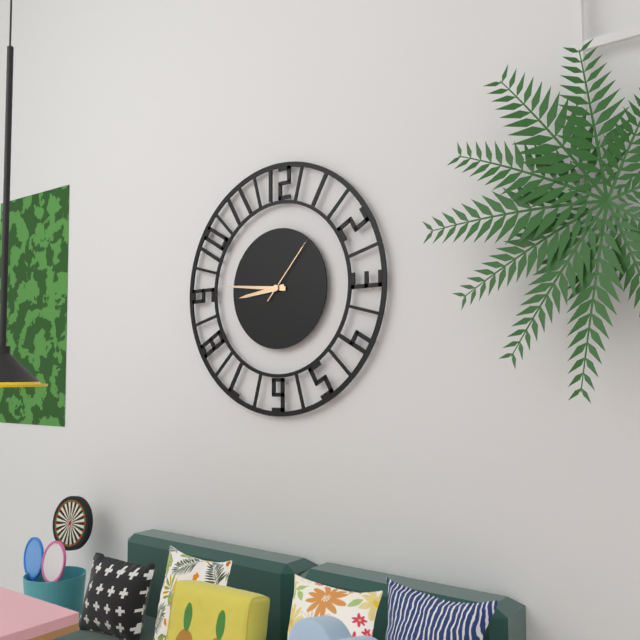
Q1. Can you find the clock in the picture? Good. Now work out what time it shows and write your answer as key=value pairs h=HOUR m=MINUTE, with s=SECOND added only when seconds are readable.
h=8 m=46 s=7
